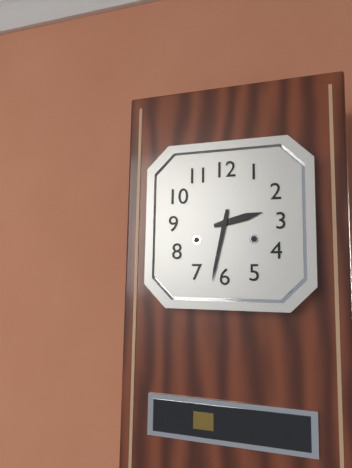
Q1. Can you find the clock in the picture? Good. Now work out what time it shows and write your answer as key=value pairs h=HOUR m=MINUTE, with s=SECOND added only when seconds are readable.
h=2 m=32
